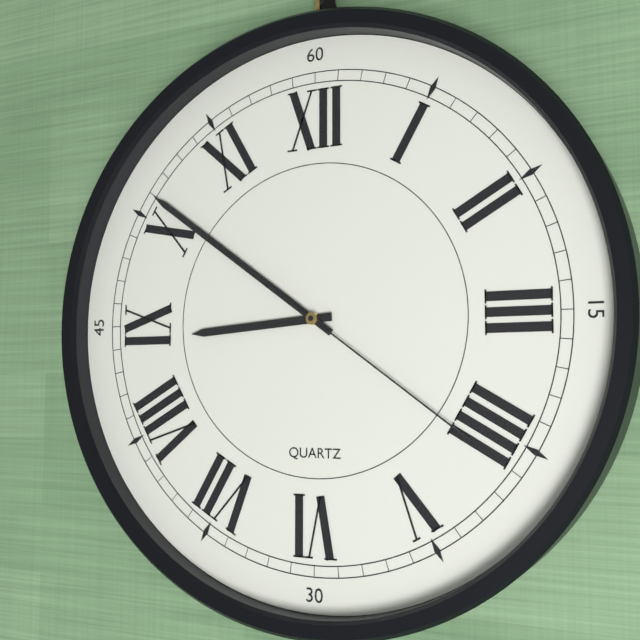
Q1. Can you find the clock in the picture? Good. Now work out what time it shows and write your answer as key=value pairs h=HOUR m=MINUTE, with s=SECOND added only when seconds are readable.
h=8 m=51 s=21
